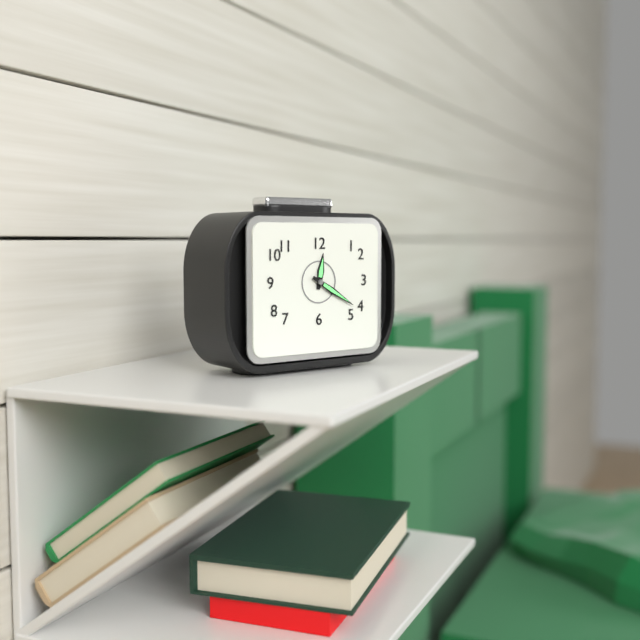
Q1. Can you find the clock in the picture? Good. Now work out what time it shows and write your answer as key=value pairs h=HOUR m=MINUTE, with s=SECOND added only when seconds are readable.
h=12 m=20
